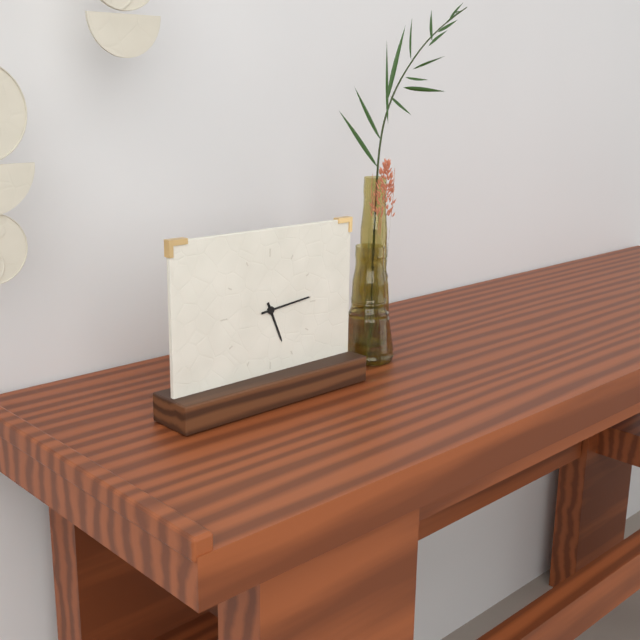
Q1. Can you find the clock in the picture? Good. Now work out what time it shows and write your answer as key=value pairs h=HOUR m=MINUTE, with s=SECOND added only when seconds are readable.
h=5 m=14
